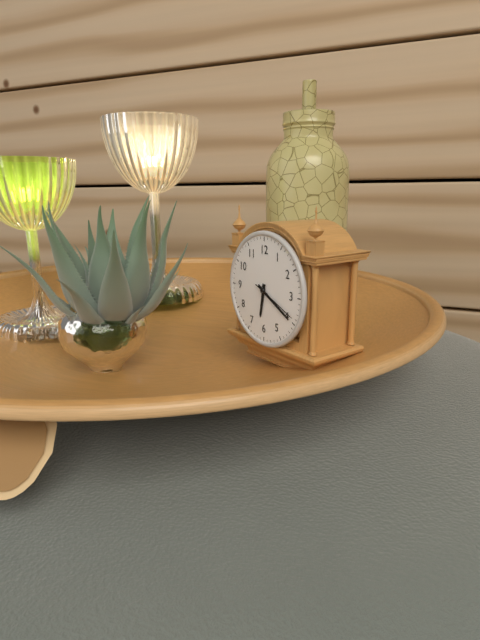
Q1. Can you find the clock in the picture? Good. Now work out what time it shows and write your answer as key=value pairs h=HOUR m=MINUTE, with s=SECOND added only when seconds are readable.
h=6 m=20 s=19
